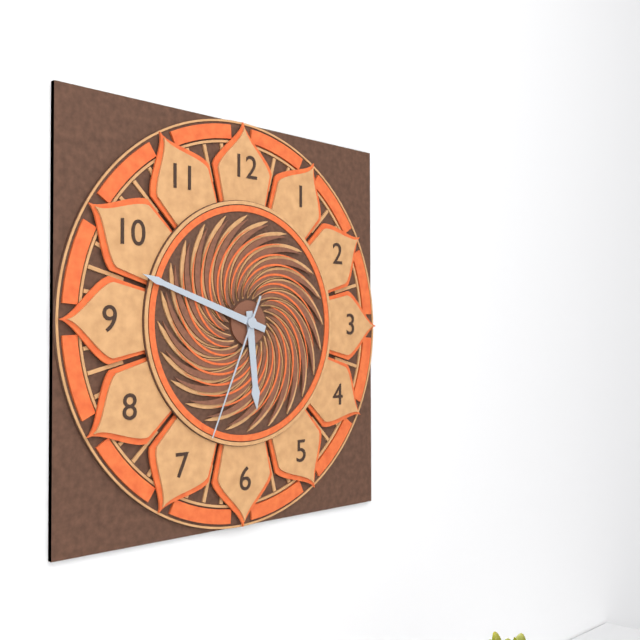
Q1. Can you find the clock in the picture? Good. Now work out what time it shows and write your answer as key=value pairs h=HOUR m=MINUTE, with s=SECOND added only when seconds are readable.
h=5 m=48 s=34
